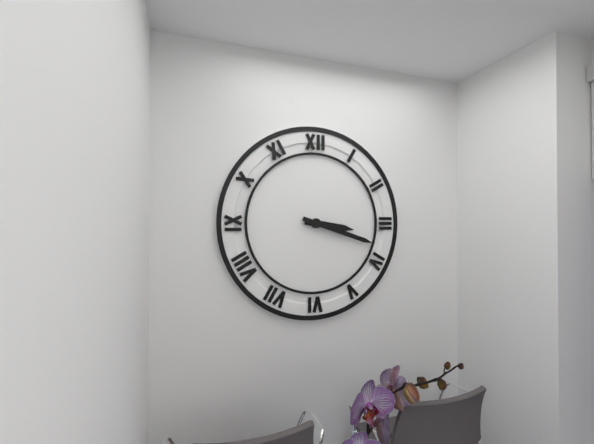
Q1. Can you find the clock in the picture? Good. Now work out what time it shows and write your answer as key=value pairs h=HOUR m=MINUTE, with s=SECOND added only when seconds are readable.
h=3 m=18
